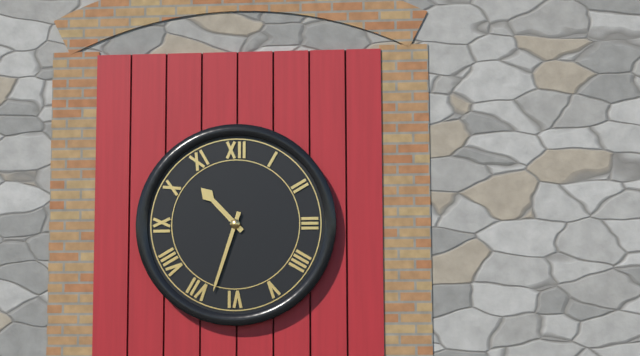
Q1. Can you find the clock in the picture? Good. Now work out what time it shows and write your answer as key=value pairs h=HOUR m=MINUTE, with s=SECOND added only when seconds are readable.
h=10 m=33
